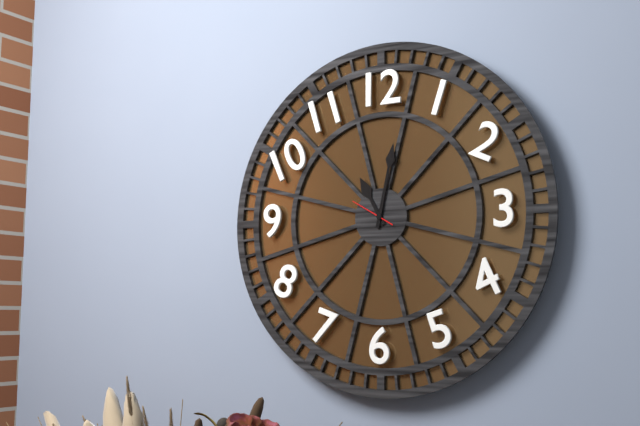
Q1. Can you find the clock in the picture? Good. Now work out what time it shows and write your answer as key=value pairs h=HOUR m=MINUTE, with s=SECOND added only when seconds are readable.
h=11 m=2 s=50
